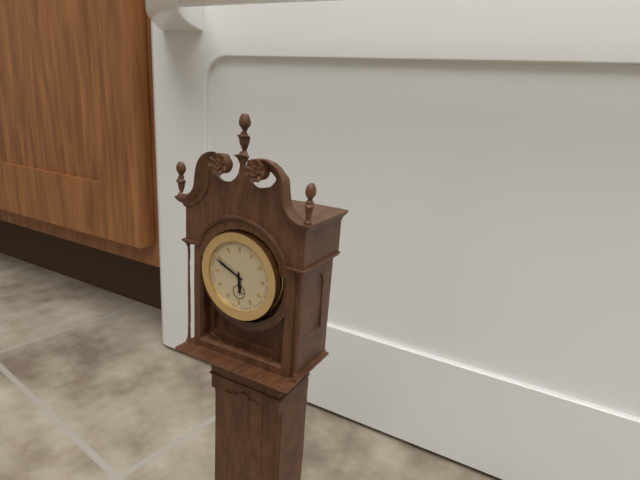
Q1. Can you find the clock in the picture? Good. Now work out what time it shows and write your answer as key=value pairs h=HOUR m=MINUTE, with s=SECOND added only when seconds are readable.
h=5 m=49
